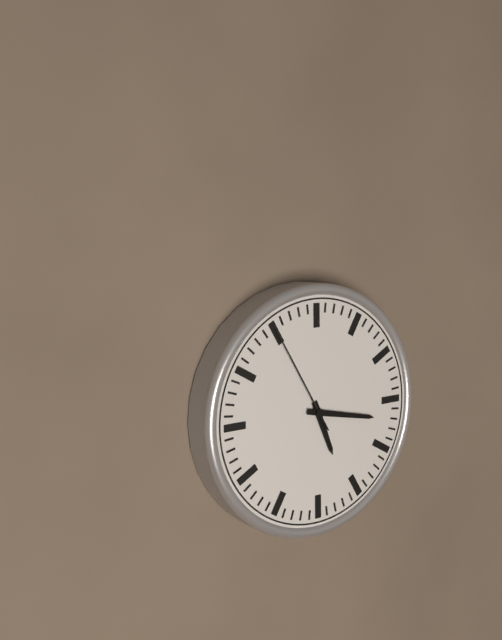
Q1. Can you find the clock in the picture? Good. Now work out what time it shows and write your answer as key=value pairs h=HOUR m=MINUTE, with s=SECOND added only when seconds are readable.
h=5 m=17 s=55
